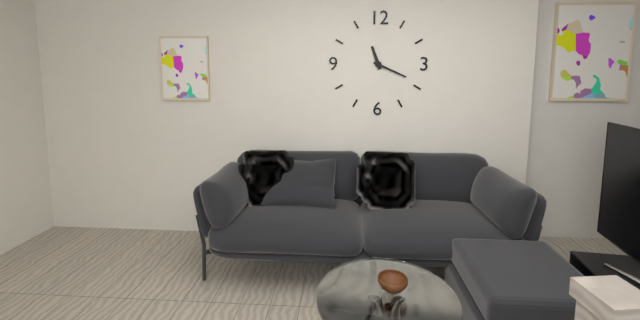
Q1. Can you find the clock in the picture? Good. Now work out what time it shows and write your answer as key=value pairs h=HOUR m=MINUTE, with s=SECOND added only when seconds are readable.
h=11 m=19
